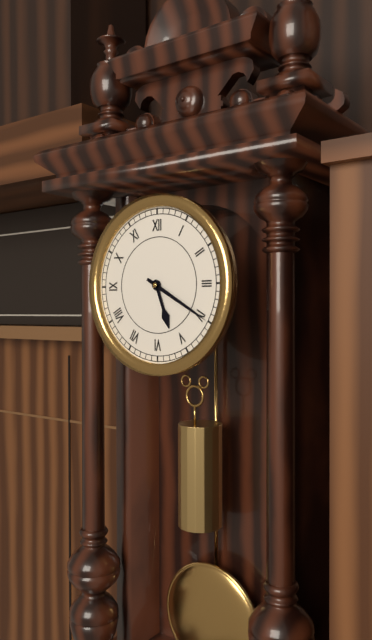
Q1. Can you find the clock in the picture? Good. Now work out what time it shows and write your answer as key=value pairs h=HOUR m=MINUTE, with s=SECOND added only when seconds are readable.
h=5 m=20
